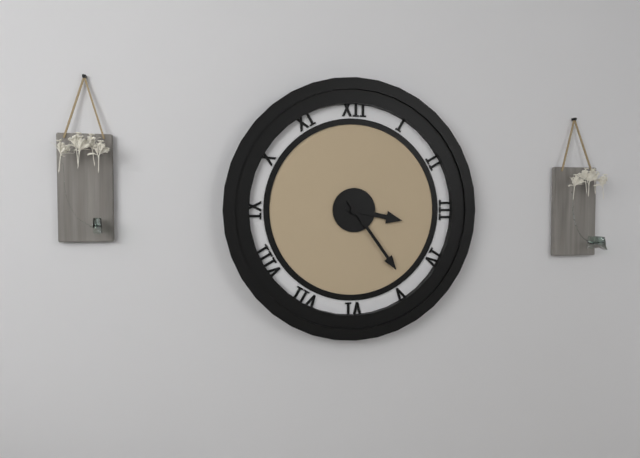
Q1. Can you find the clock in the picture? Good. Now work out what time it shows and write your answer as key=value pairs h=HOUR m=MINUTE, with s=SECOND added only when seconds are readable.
h=3 m=24
